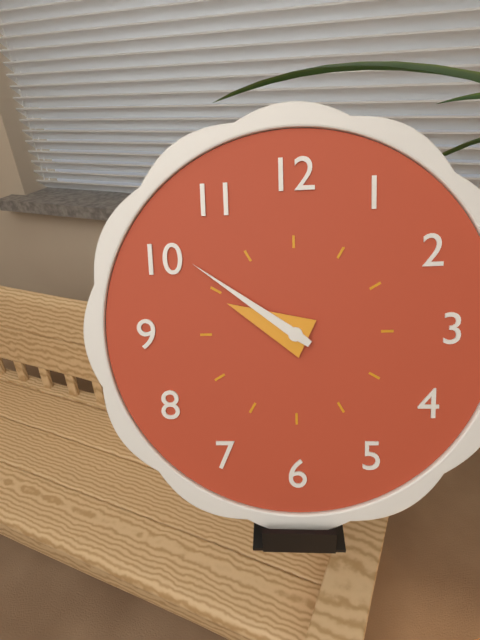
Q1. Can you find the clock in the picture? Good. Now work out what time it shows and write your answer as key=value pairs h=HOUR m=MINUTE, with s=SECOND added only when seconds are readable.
h=9 m=51
